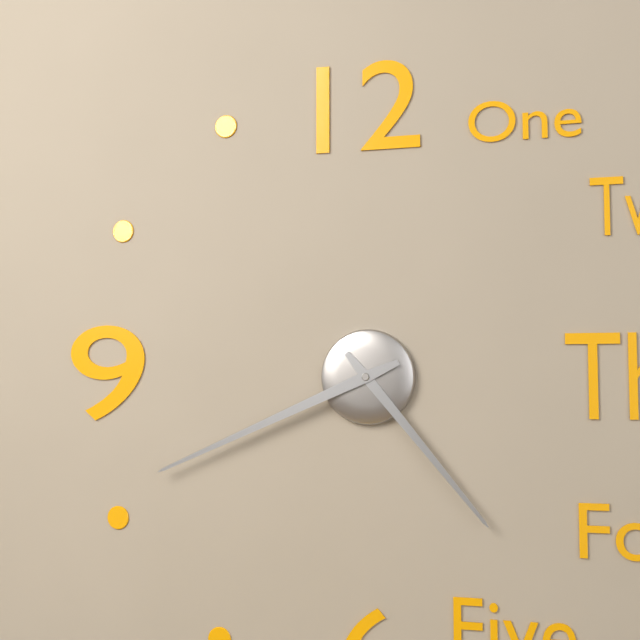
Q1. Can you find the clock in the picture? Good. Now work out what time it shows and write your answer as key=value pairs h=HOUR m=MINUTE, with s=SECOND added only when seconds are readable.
h=4 m=41
